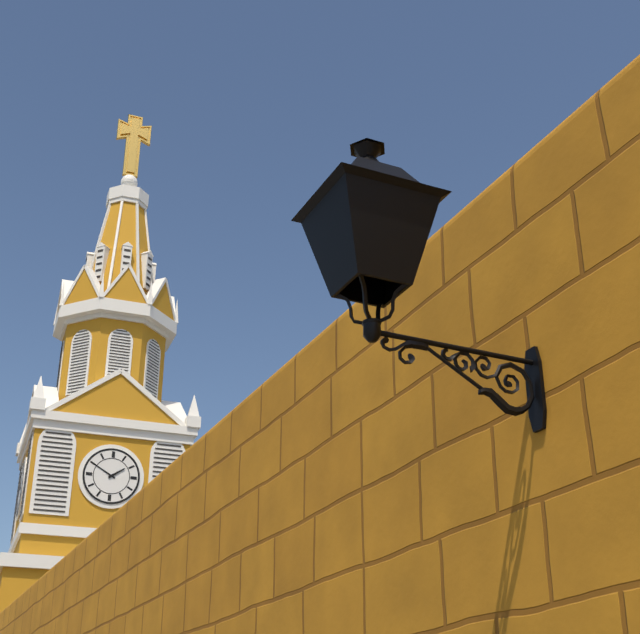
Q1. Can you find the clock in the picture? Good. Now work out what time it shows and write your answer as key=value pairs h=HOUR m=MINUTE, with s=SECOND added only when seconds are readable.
h=1 m=50
